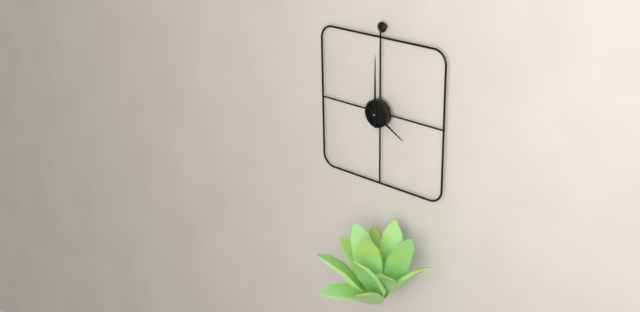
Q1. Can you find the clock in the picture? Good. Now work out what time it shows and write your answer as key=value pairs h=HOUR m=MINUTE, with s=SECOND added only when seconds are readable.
h=4 m=0
